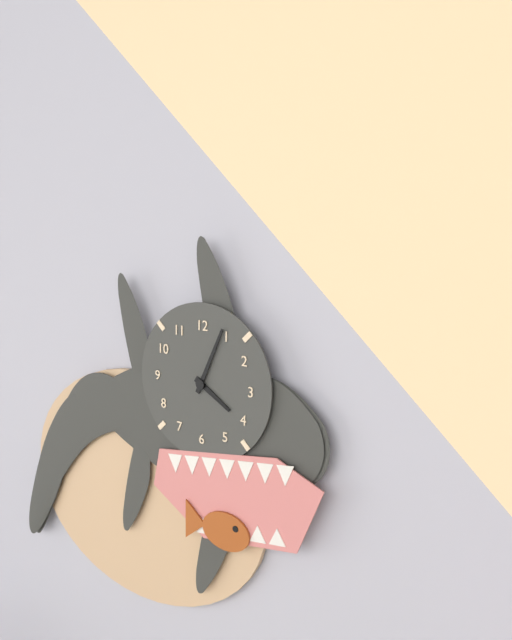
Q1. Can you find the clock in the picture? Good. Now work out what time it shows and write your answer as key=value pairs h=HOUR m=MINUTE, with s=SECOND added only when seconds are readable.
h=4 m=4
